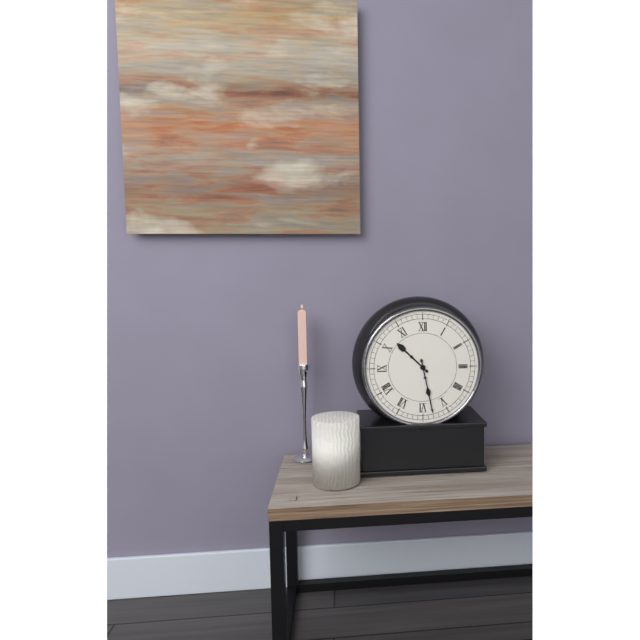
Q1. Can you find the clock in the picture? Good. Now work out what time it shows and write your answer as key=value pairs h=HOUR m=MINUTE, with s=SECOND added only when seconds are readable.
h=10 m=28
